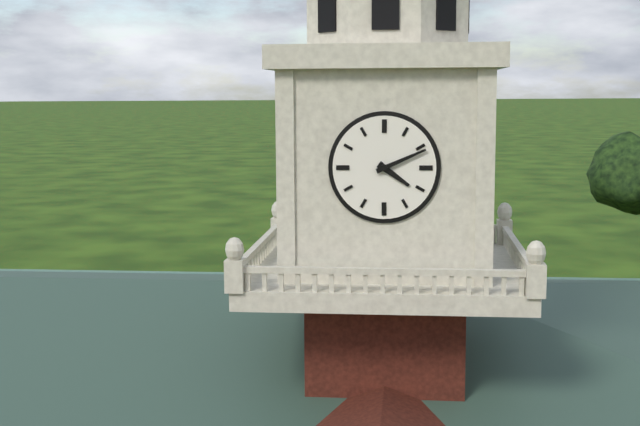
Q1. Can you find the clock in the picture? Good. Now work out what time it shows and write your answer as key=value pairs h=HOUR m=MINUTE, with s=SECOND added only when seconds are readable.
h=4 m=11
